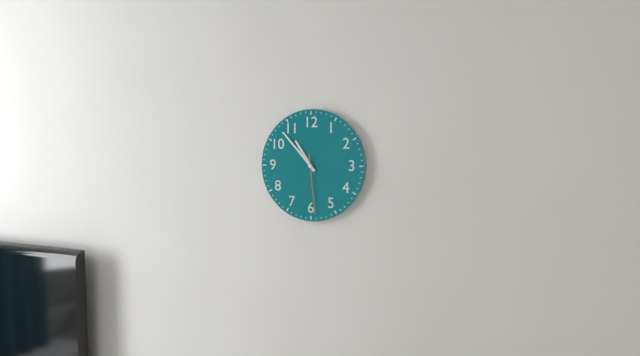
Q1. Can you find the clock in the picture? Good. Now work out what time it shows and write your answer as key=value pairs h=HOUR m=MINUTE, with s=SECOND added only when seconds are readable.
h=10 m=53 s=29
